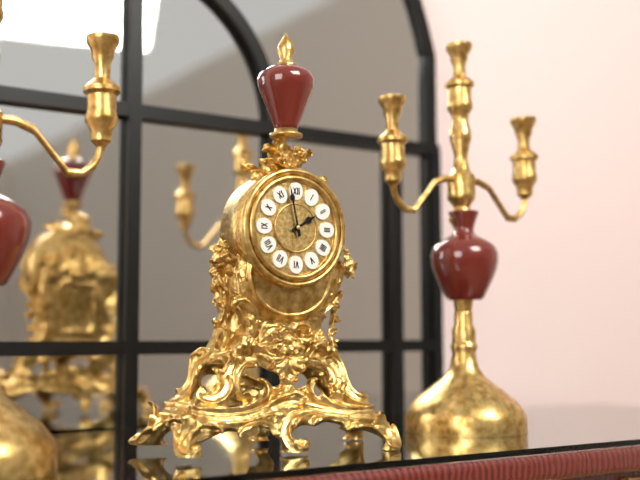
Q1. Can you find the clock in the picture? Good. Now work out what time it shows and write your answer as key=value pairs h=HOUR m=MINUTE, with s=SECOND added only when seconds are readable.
h=1 m=58
